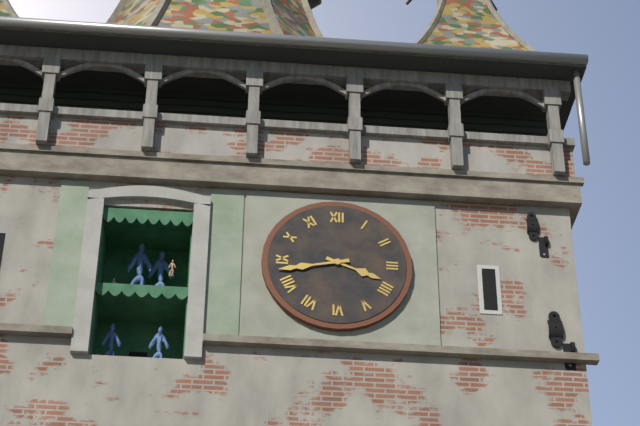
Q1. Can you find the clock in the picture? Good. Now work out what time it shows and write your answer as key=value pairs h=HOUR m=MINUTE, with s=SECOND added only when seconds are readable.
h=3 m=43
